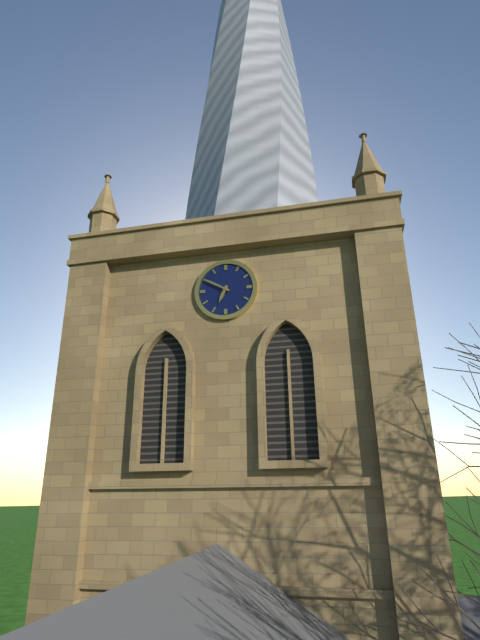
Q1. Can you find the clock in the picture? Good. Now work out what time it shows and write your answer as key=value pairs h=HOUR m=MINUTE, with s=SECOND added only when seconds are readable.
h=6 m=50
